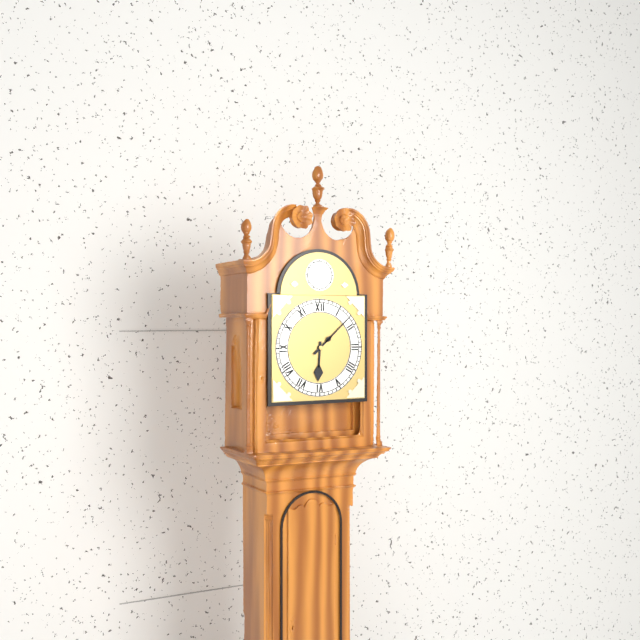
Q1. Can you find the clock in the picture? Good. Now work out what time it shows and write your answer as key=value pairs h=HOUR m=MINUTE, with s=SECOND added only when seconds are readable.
h=6 m=8
